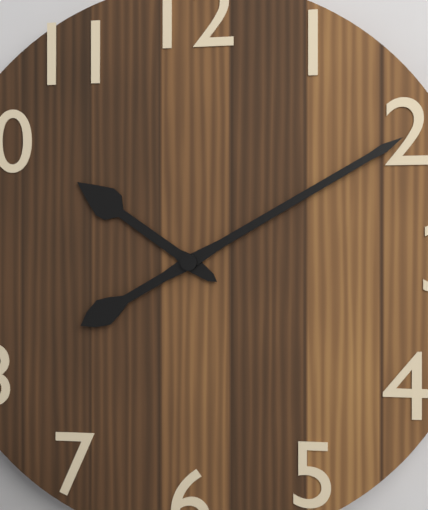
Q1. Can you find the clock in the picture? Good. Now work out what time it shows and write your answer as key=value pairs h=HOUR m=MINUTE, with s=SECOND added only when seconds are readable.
h=10 m=10
